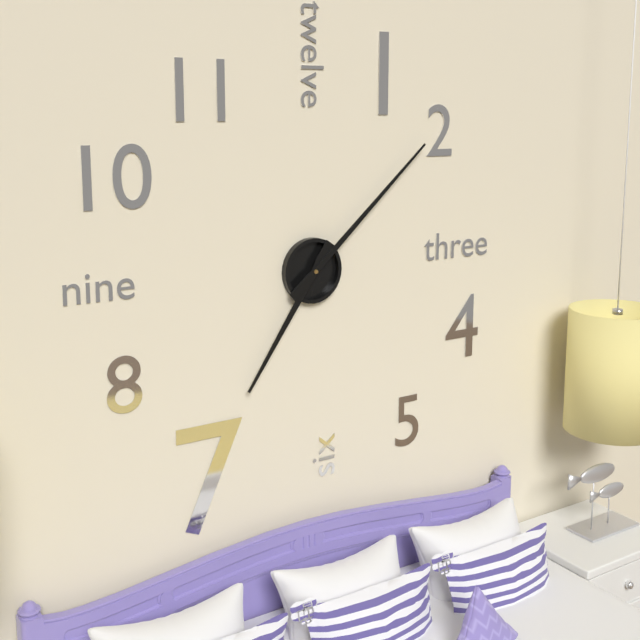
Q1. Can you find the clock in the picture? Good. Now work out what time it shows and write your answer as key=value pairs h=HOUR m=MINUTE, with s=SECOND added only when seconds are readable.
h=7 m=8
